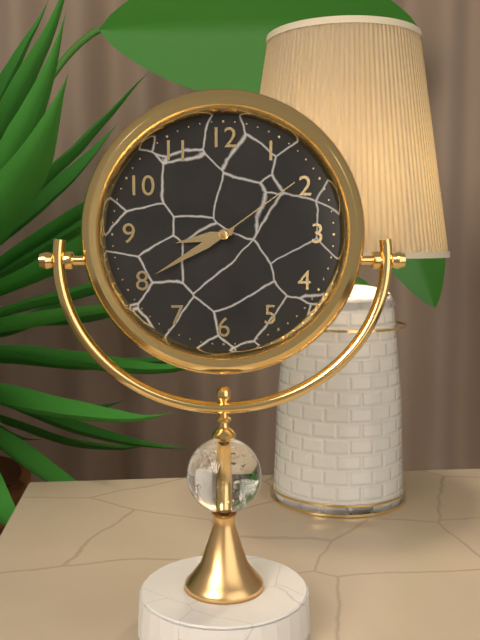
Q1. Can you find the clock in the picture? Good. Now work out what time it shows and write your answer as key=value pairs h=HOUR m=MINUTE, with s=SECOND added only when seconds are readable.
h=8 m=40 s=9
